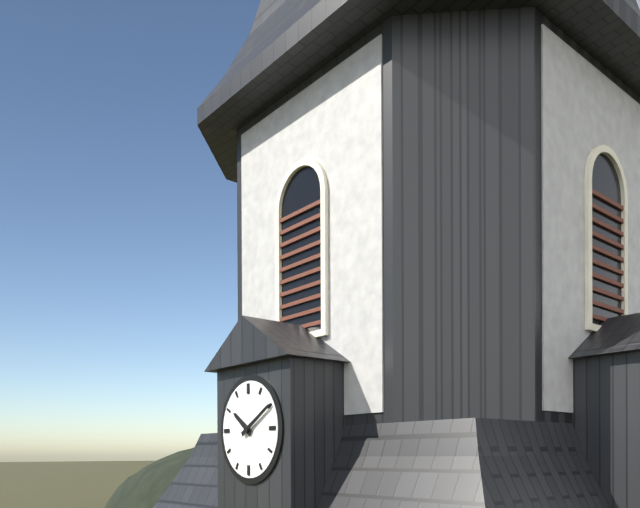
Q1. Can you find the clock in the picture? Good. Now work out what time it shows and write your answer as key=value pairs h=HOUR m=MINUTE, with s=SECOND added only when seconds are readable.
h=10 m=10
